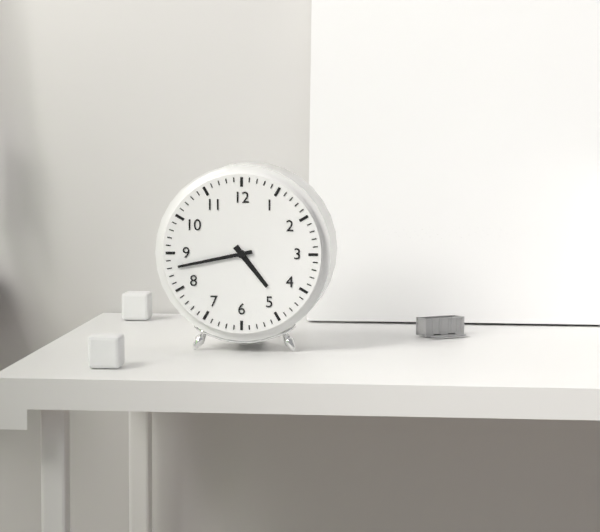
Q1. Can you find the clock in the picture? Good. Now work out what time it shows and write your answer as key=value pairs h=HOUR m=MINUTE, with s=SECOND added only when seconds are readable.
h=4 m=43
